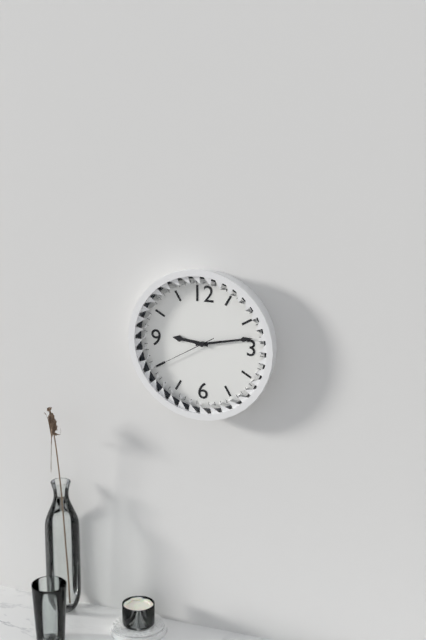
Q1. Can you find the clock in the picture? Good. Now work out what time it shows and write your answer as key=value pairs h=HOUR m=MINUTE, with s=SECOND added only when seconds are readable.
h=9 m=13 s=40
